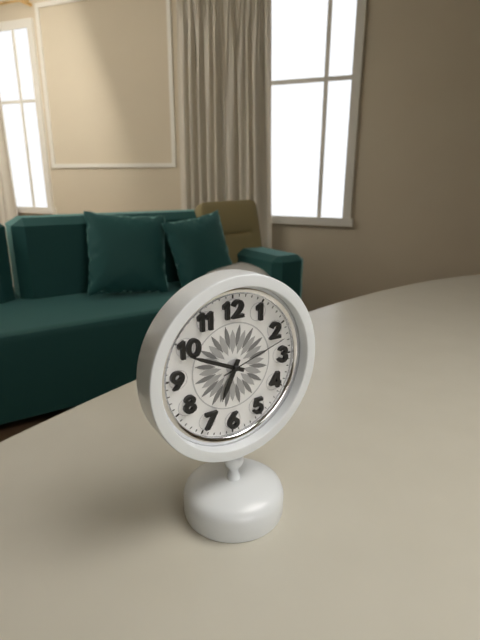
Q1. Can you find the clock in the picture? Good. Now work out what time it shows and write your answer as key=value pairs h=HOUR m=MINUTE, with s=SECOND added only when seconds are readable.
h=6 m=49 s=12
